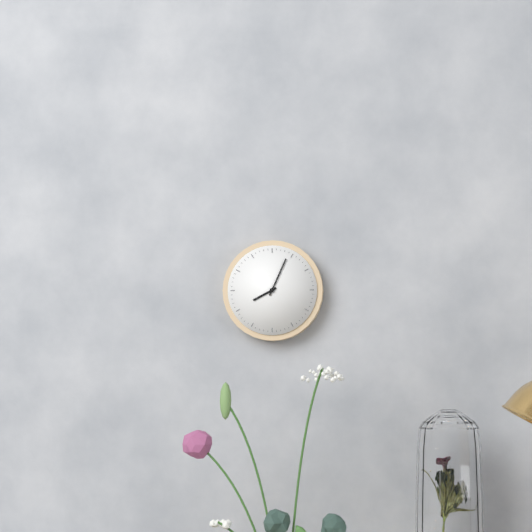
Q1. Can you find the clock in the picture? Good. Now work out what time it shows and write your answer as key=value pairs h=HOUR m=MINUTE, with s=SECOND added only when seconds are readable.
h=8 m=4
